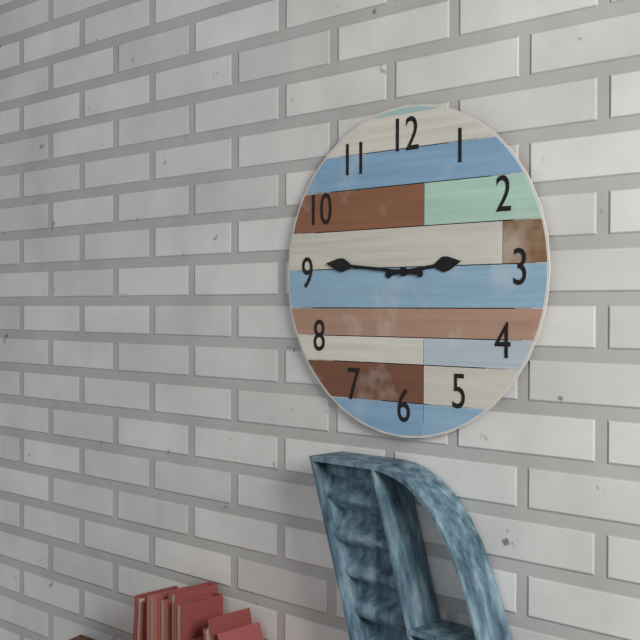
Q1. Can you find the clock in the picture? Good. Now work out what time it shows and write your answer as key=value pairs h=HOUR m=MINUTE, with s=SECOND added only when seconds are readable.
h=2 m=46
